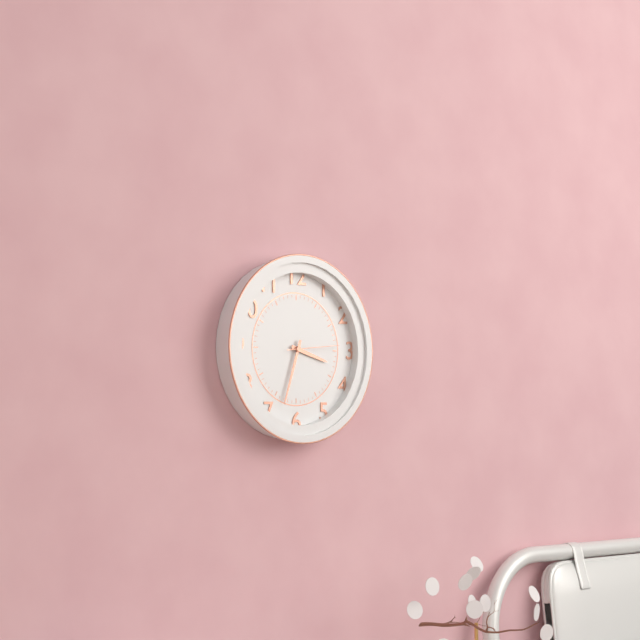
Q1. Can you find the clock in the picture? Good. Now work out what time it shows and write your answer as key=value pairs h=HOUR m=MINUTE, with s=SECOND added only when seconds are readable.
h=3 m=33 s=14
